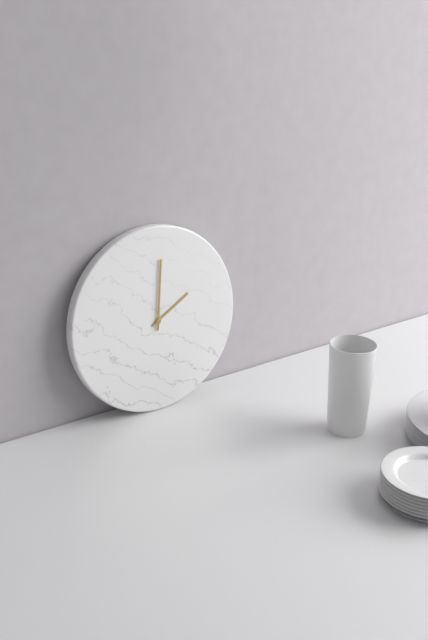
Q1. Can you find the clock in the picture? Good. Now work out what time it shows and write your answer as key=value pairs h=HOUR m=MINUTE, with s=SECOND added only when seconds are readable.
h=2 m=1
